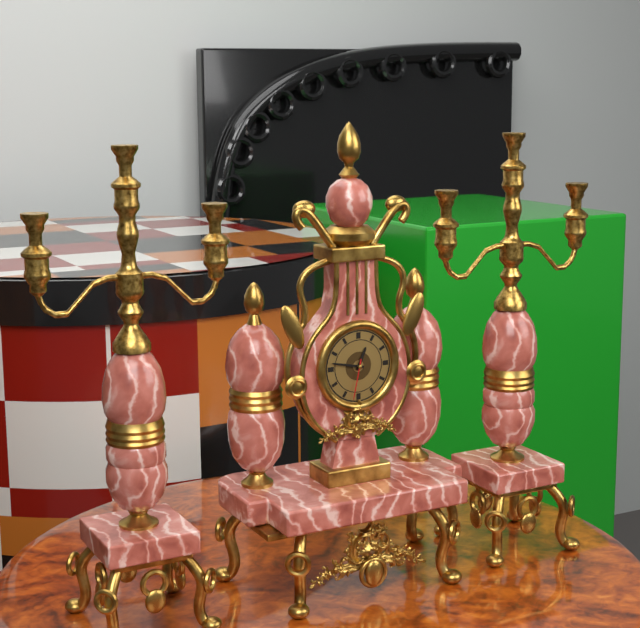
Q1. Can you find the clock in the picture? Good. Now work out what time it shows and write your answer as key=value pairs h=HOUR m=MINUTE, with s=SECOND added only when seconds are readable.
h=12 m=47
